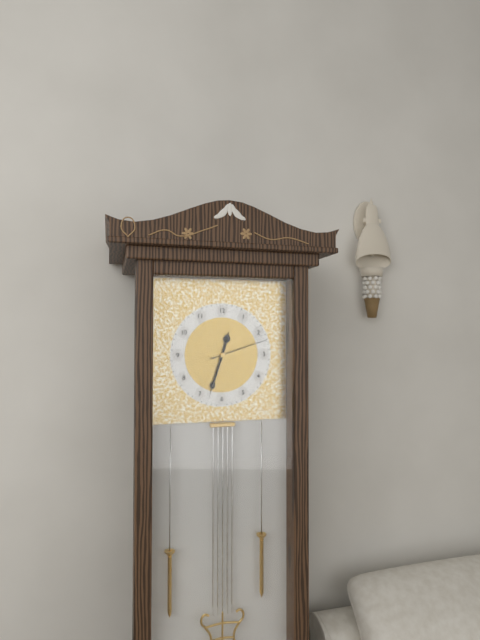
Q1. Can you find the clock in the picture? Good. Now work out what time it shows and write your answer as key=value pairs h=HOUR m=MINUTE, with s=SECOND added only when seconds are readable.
h=12 m=33 s=12
